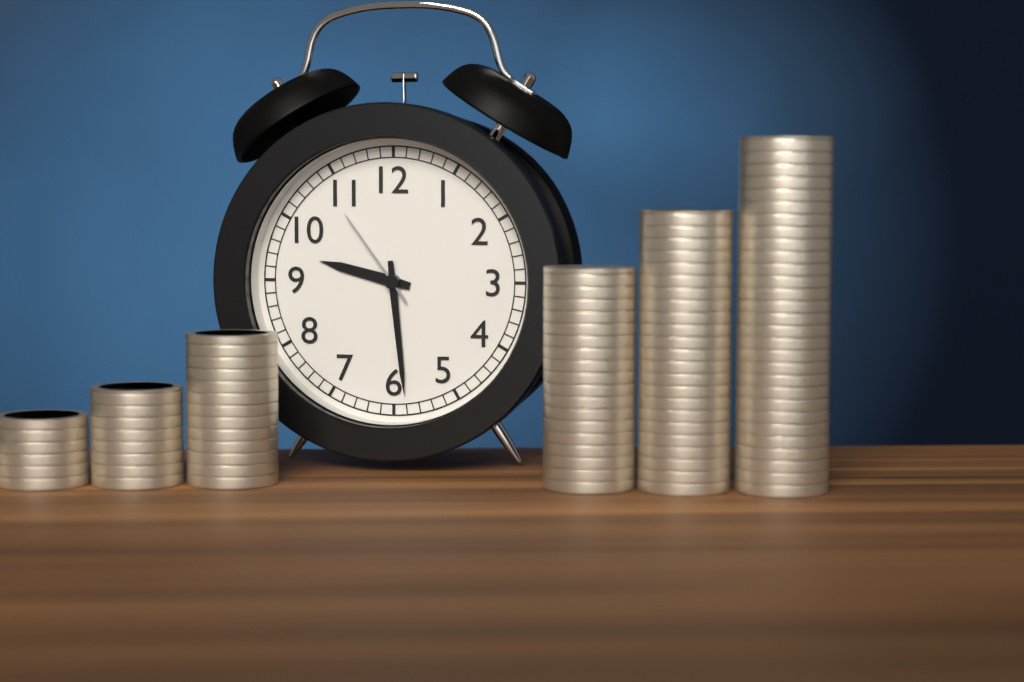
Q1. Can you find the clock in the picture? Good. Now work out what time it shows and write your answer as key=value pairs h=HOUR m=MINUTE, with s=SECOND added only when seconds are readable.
h=9 m=29 s=54
